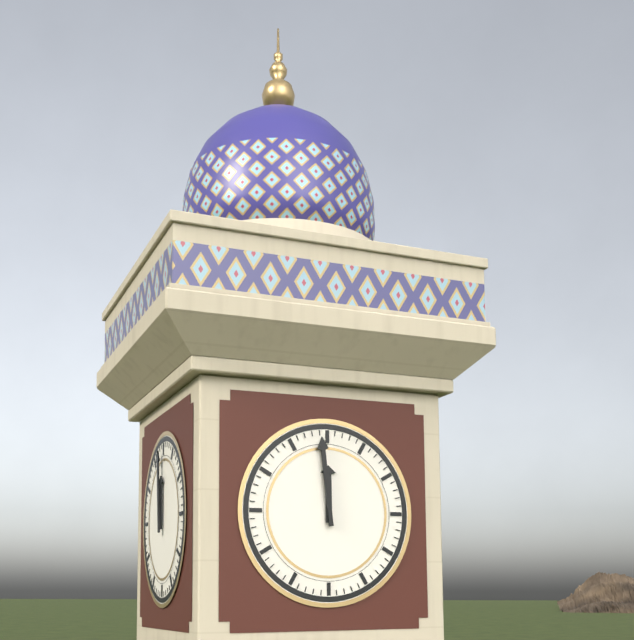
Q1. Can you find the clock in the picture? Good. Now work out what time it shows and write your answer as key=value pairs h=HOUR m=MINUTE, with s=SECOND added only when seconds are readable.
h=11 m=59
